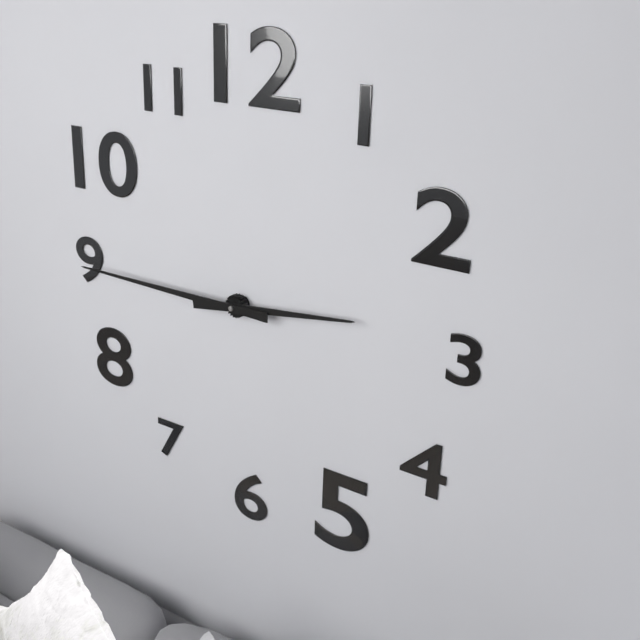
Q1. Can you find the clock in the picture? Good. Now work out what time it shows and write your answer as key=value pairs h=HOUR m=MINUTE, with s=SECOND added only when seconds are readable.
h=2 m=45
